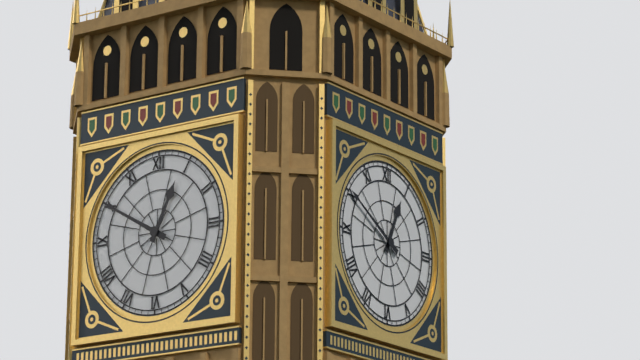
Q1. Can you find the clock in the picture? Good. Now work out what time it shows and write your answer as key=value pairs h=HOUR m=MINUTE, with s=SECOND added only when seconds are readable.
h=12 m=50
